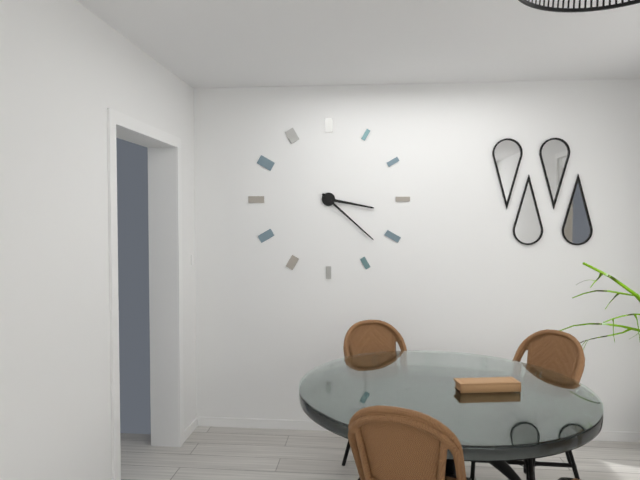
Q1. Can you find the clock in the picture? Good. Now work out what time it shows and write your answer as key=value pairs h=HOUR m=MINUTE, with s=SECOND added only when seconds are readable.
h=3 m=22
